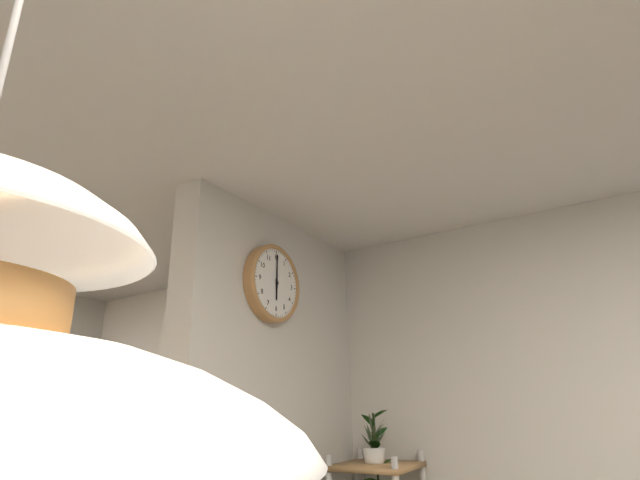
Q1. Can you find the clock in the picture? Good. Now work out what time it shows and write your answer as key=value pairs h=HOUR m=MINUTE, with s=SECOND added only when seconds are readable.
h=6 m=0
